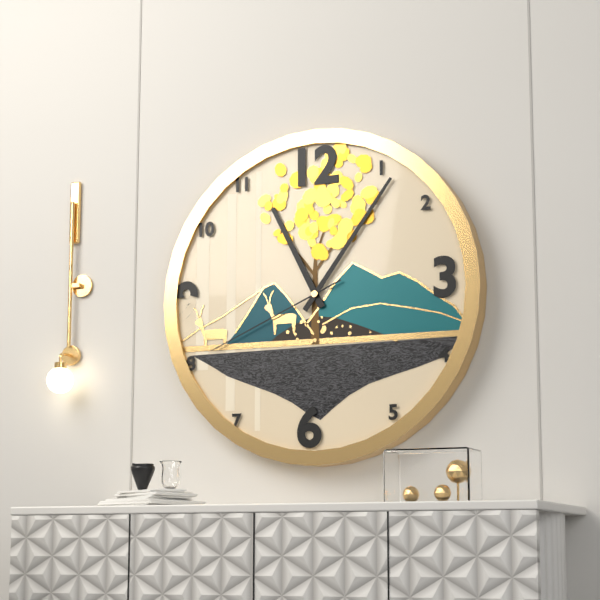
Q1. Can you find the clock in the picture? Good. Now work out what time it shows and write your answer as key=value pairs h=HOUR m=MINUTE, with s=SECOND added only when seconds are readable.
h=11 m=6 s=41
